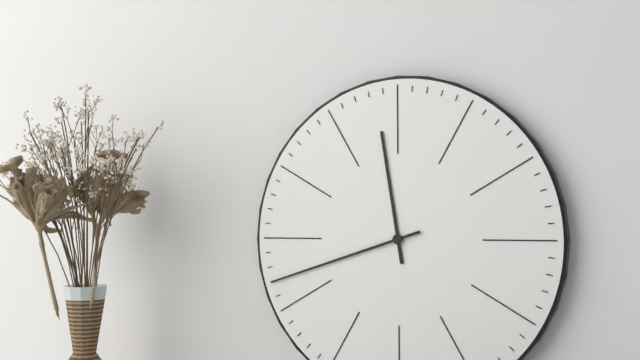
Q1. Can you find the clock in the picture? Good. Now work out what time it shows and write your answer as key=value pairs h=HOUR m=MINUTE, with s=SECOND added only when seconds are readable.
h=11 m=42
